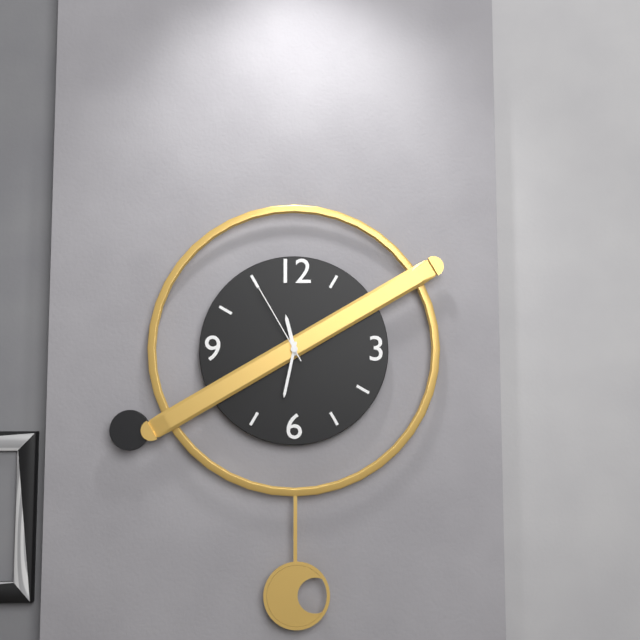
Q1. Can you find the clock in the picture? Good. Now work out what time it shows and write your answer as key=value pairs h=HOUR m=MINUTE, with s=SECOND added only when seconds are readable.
h=11 m=32 s=55
